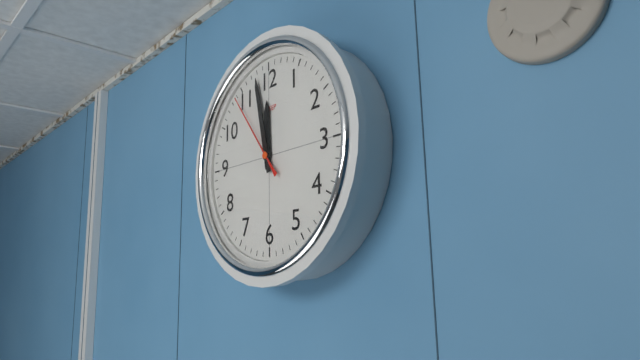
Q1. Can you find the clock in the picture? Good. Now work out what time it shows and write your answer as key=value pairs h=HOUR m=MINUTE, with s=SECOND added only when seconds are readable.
h=11 m=58 s=54
